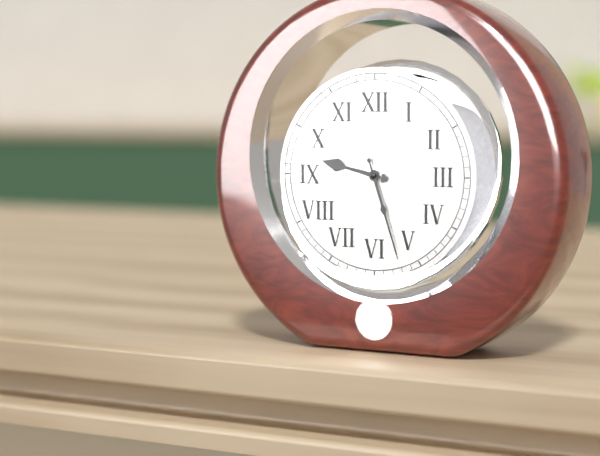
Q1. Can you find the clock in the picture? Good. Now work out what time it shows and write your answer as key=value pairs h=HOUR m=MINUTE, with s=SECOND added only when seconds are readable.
h=9 m=27
